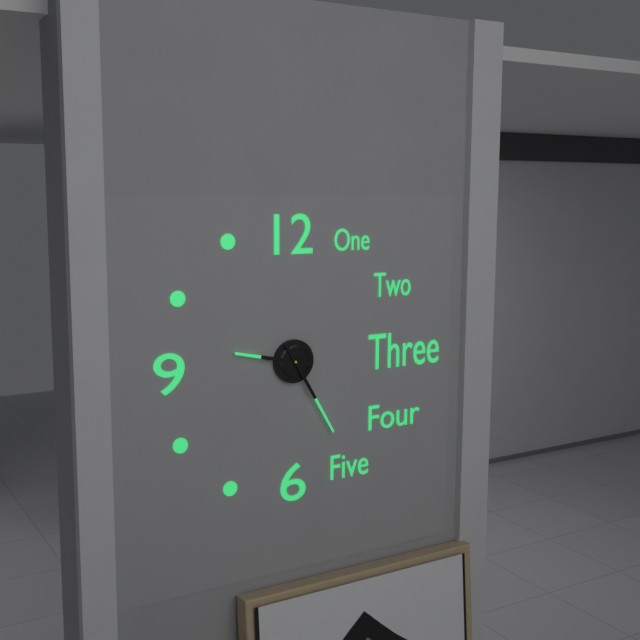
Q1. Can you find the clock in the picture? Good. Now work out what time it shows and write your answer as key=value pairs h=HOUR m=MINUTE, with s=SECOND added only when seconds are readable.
h=9 m=25
